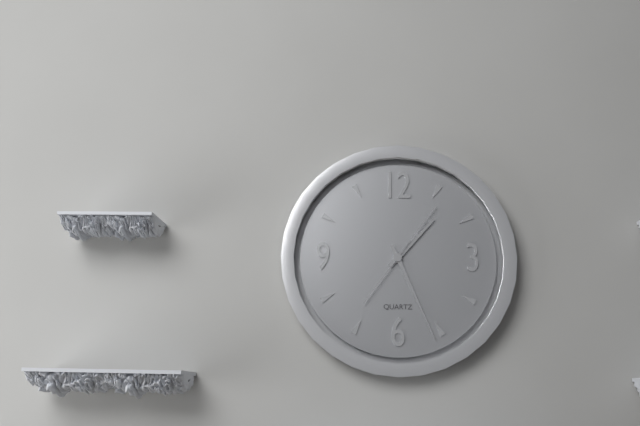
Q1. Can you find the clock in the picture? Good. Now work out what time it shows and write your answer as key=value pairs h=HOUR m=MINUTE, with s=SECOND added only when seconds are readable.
h=1 m=26 s=6
